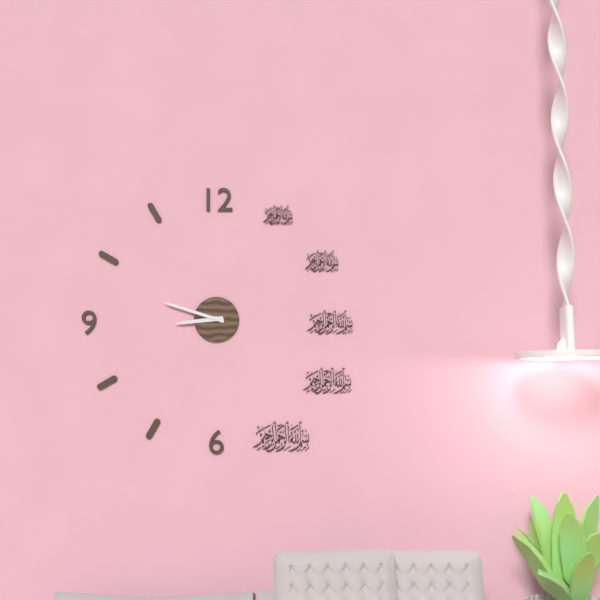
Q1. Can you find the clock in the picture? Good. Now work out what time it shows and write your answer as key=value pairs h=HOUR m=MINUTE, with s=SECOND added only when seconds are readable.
h=8 m=48
